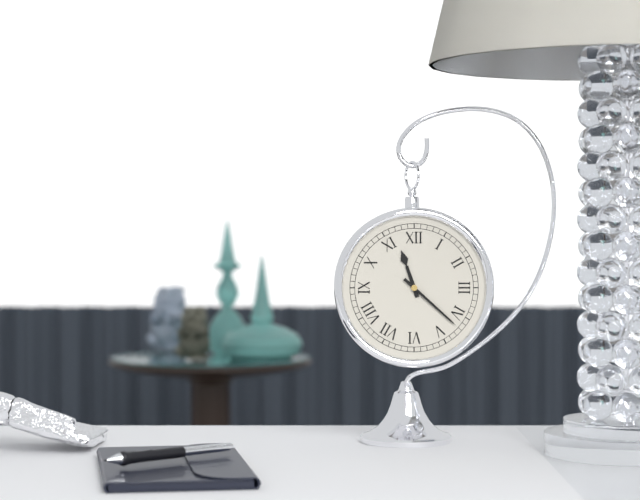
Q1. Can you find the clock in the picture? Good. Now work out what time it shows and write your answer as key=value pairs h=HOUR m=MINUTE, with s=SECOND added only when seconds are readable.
h=11 m=22
